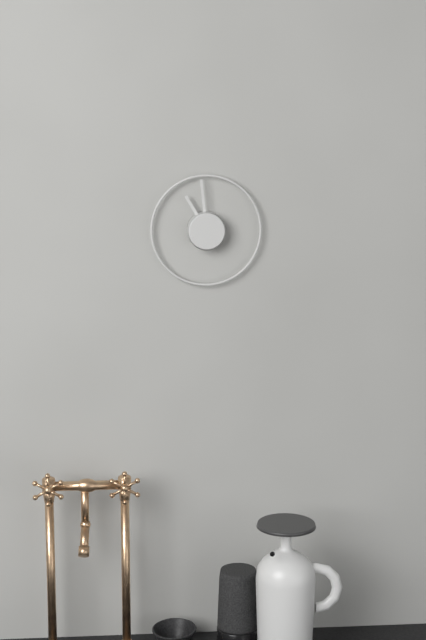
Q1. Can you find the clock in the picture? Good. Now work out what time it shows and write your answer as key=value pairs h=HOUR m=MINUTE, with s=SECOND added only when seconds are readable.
h=10 m=59
